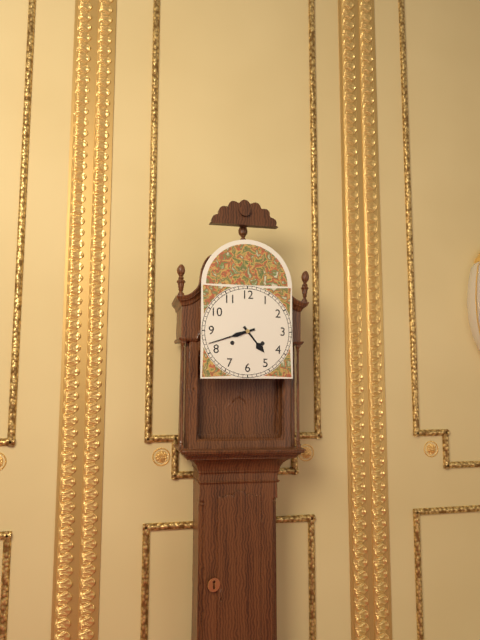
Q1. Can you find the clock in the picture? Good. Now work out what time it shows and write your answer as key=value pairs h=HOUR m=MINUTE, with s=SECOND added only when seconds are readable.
h=4 m=42
